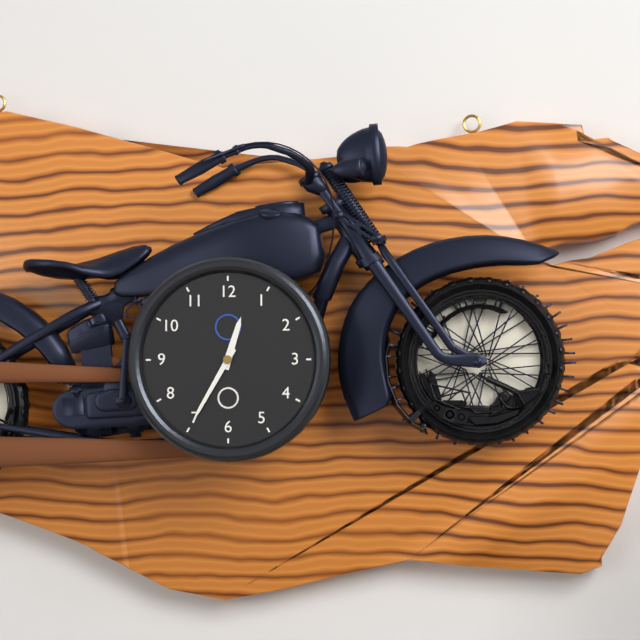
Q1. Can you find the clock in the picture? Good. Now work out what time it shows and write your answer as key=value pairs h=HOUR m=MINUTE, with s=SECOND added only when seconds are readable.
h=12 m=35
